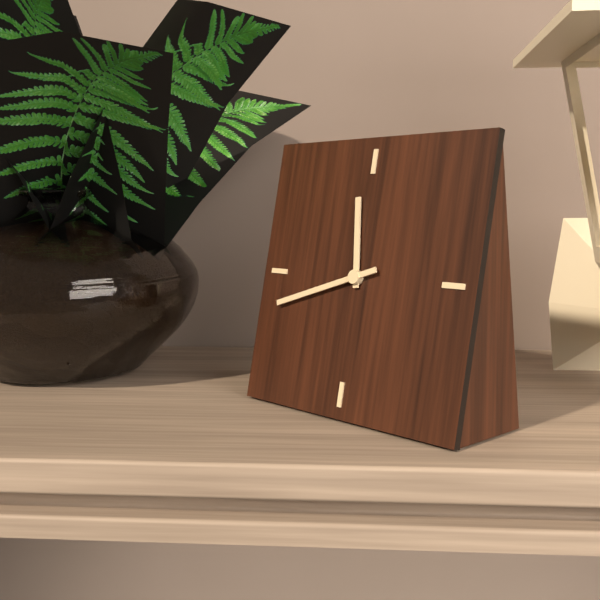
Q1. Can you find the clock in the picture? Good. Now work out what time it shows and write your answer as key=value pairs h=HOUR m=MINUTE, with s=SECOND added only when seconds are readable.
h=11 m=42
